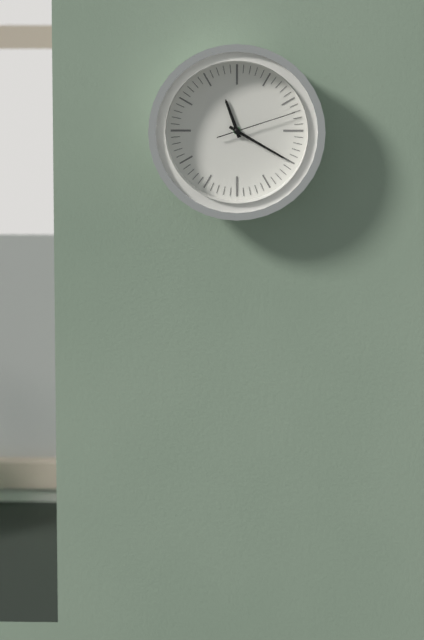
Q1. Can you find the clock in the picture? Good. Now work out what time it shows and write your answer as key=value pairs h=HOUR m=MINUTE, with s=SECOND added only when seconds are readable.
h=11 m=20 s=12
